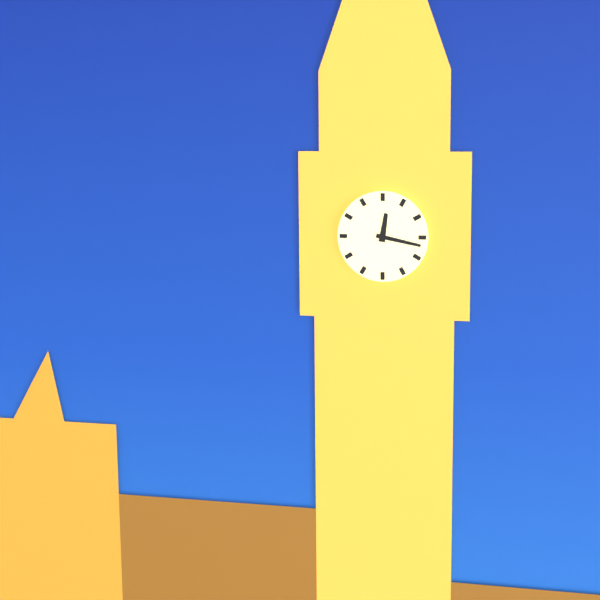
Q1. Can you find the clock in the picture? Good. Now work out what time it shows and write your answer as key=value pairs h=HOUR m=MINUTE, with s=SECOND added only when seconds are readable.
h=12 m=17
